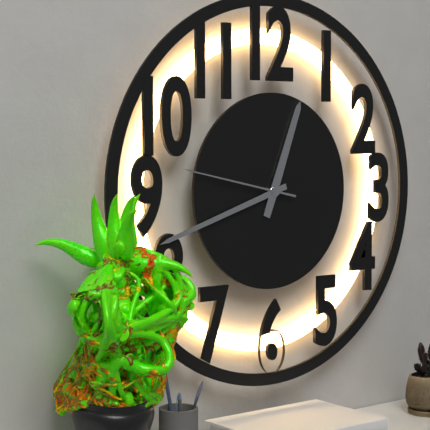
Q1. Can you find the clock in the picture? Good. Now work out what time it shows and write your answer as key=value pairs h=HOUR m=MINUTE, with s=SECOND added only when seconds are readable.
h=12 m=42 s=47
